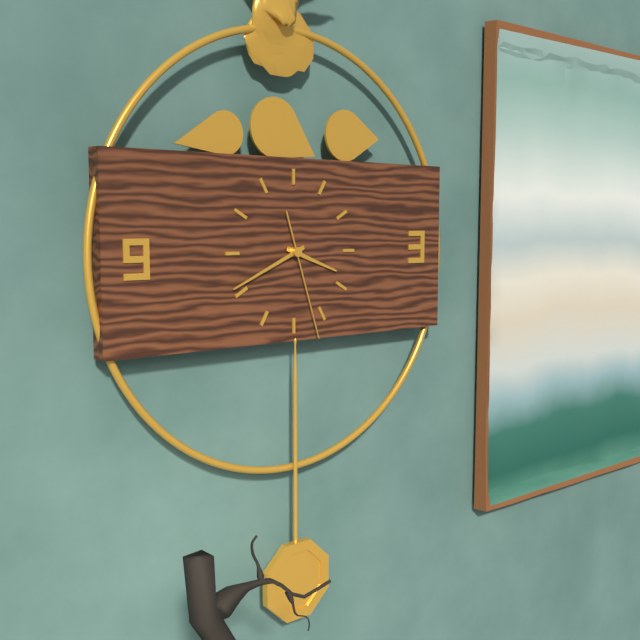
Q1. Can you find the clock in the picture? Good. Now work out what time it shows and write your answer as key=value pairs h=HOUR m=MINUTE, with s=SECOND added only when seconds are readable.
h=3 m=41 s=27
